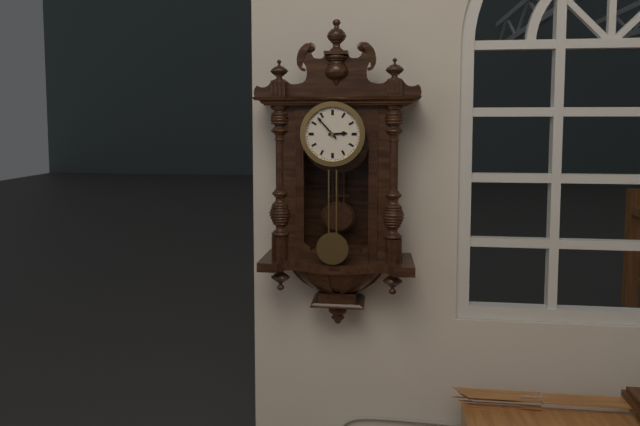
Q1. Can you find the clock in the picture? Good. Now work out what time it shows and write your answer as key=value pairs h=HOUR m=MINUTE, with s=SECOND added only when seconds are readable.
h=2 m=53
